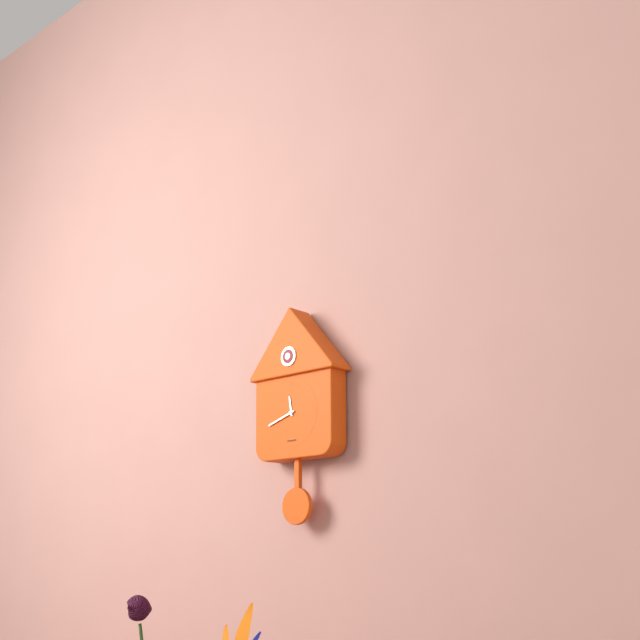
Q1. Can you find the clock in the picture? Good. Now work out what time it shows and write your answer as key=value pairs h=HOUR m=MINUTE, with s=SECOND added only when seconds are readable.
h=11 m=42
